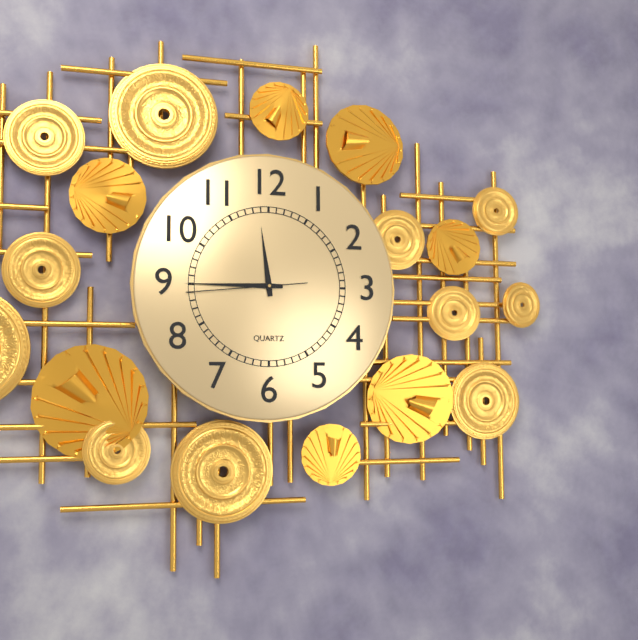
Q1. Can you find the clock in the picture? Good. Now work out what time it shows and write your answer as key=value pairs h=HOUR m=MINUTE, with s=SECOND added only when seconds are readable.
h=11 m=45 s=44
